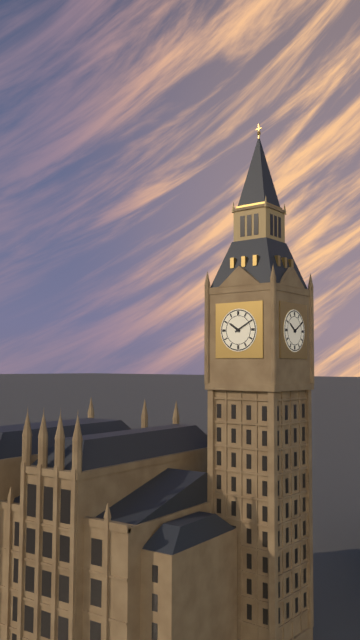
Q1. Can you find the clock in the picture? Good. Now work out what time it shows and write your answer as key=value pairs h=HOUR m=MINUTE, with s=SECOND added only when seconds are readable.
h=10 m=10
